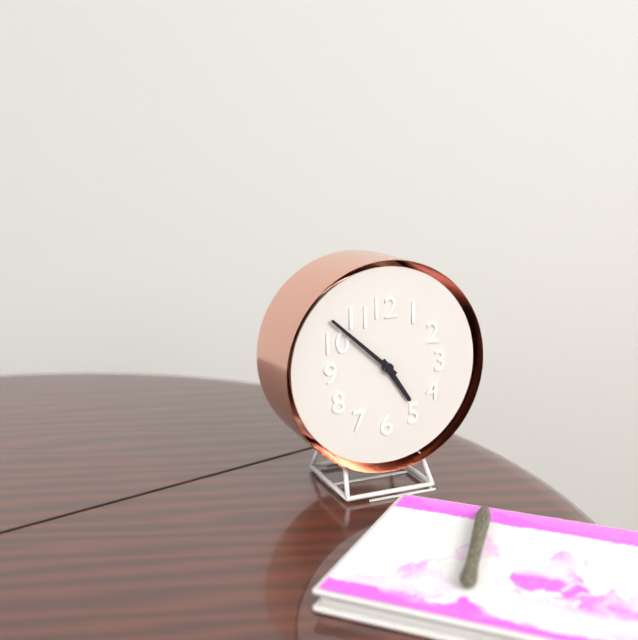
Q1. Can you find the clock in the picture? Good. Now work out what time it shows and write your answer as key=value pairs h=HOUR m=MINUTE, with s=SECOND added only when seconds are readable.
h=4 m=52
